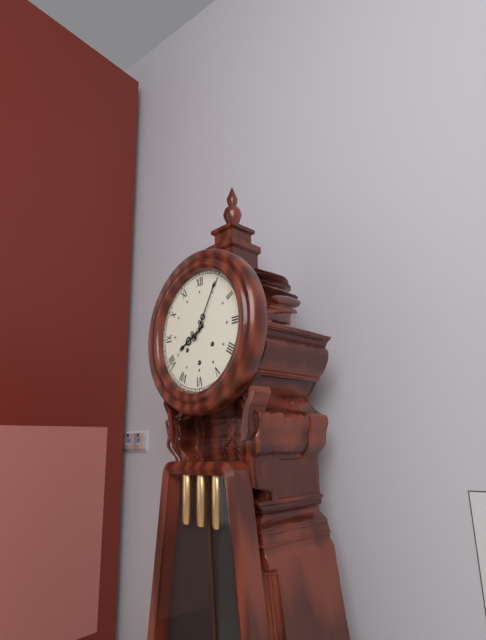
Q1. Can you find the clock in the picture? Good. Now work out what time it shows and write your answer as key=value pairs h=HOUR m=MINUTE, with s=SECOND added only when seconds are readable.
h=8 m=5
